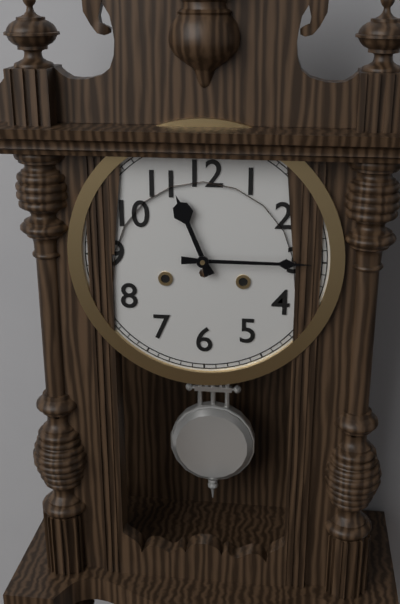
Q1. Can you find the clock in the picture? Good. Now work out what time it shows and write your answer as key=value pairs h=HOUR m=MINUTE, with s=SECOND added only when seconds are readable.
h=11 m=15
